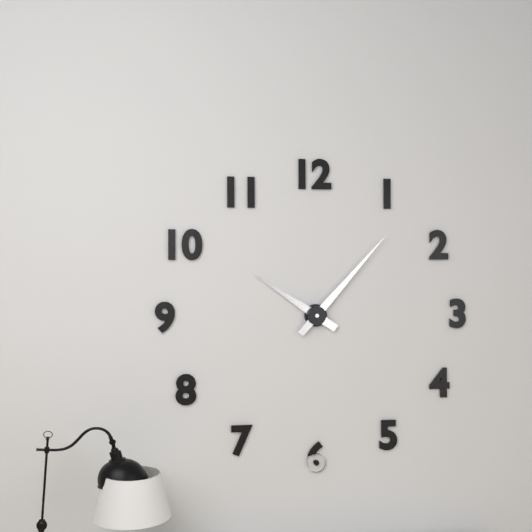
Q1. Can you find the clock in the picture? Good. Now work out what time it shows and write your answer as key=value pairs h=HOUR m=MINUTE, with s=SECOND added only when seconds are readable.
h=10 m=7
